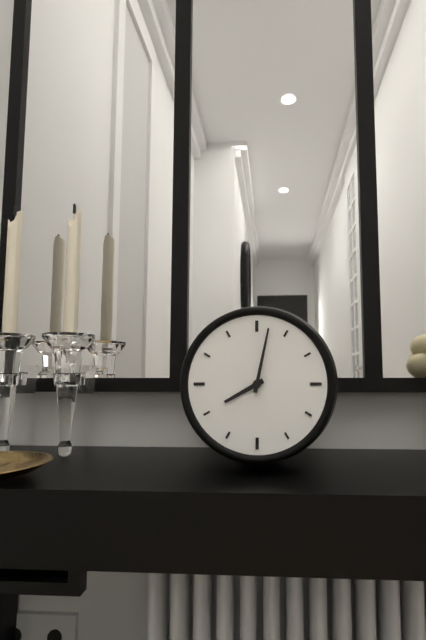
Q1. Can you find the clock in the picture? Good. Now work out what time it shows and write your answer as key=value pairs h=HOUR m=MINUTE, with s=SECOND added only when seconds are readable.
h=8 m=2
